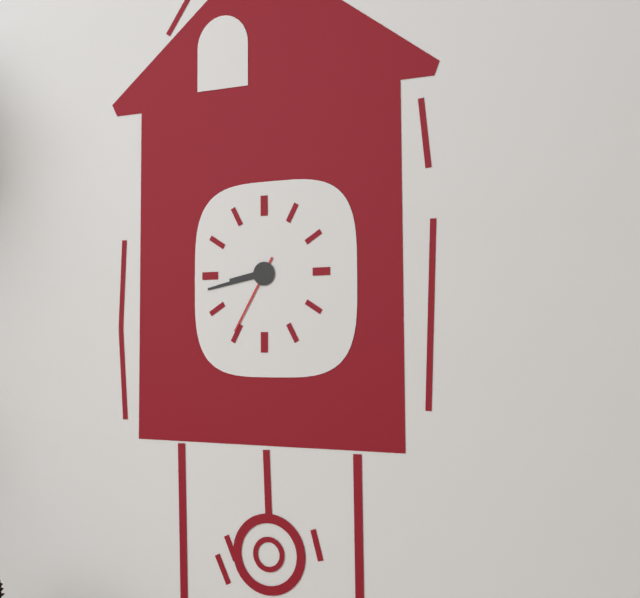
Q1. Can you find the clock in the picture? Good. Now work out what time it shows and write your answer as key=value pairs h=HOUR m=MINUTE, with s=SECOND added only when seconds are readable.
h=8 m=43 s=35
